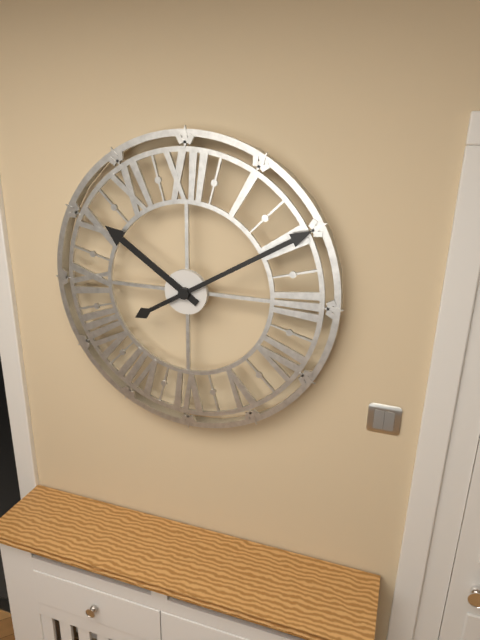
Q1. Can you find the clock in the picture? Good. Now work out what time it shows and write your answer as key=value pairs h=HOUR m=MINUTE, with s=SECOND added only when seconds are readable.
h=10 m=10
